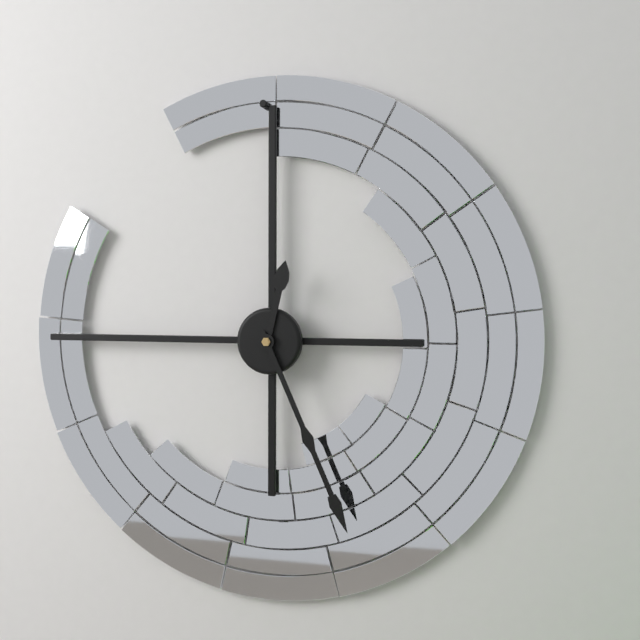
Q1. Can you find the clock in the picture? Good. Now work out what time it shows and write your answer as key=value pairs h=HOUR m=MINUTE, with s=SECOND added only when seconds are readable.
h=12 m=26
